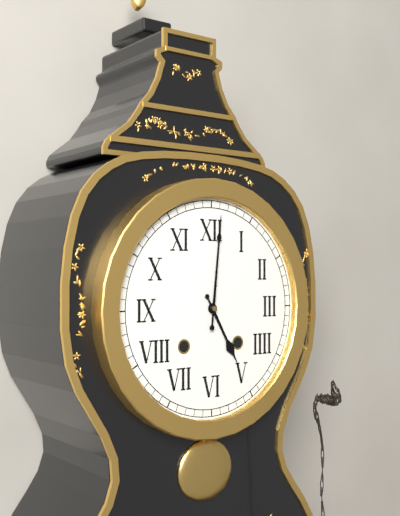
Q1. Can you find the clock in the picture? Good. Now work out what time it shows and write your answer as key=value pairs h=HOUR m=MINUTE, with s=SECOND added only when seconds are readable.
h=5 m=1
